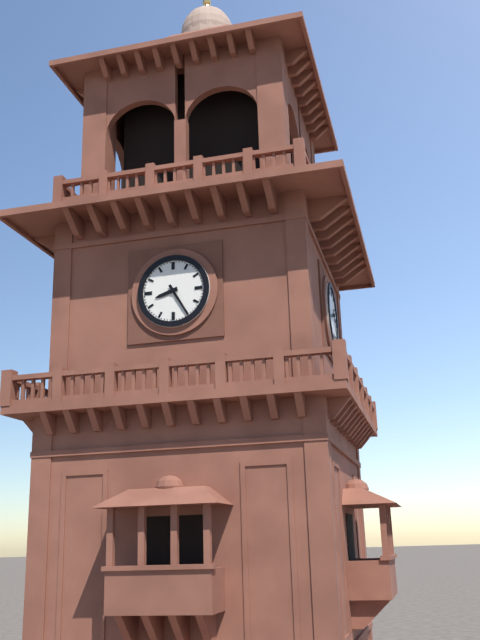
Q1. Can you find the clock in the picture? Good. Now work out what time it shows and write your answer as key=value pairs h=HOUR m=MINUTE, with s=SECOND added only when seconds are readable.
h=8 m=25
